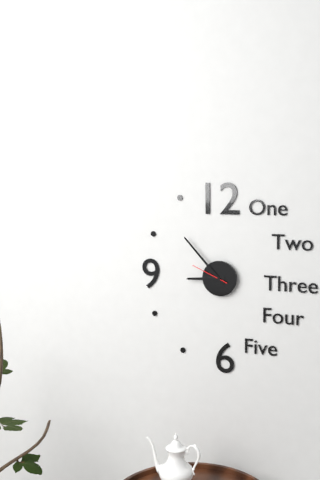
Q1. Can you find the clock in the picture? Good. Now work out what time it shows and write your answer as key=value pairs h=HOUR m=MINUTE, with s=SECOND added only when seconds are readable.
h=8 m=53
